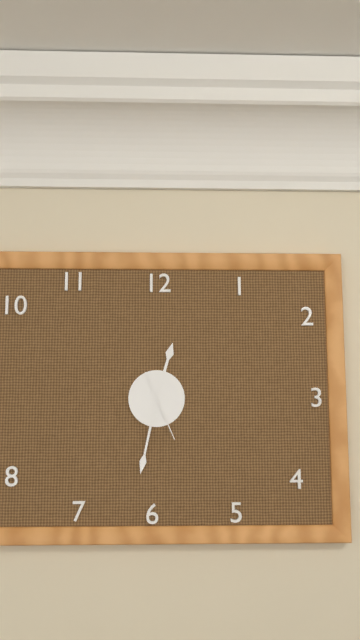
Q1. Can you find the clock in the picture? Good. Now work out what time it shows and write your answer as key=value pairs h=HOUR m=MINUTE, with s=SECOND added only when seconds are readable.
h=12 m=32 s=26
